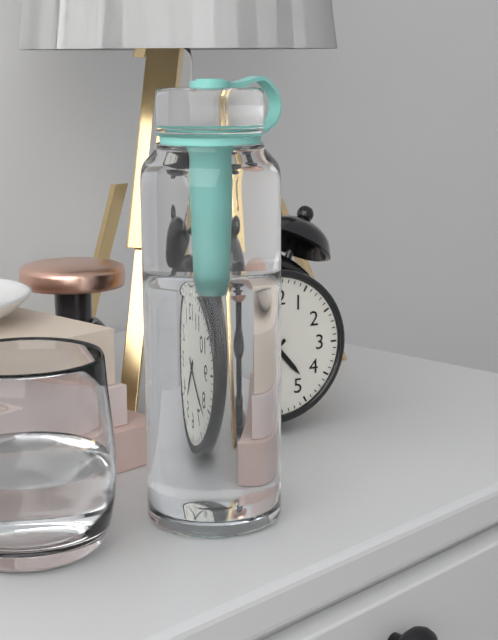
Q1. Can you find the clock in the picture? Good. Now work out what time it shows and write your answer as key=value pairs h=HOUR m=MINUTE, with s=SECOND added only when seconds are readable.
h=4 m=38
